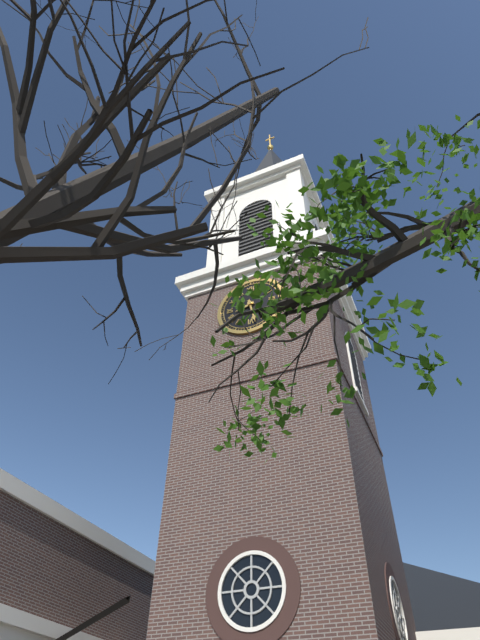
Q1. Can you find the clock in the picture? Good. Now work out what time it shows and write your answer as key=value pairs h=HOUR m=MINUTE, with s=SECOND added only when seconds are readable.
h=8 m=28
